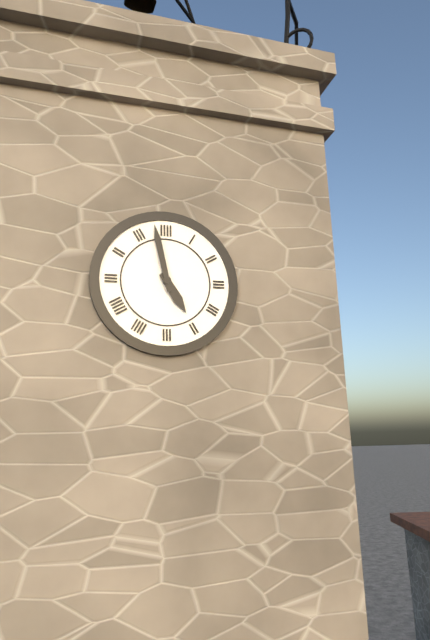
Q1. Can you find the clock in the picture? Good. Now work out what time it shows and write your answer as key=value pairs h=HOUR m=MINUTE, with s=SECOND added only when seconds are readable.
h=4 m=58
